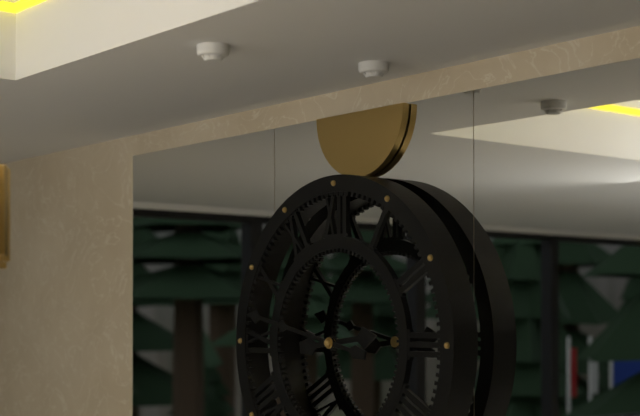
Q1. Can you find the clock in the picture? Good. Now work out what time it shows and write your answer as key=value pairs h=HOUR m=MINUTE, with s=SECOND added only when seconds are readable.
h=2 m=47
